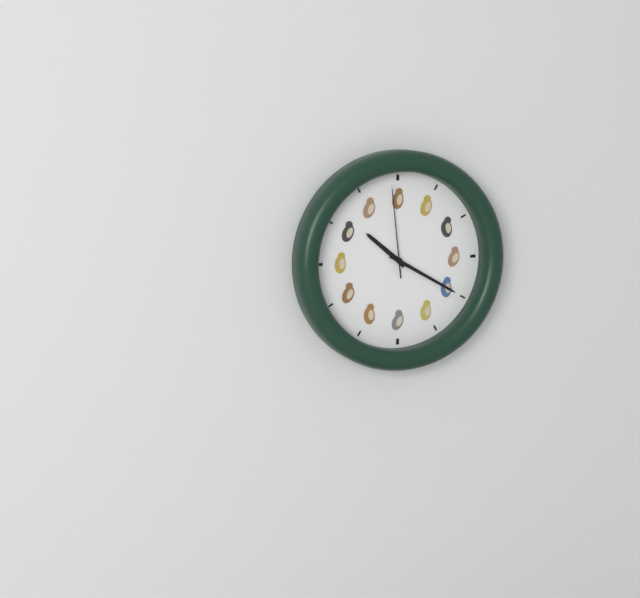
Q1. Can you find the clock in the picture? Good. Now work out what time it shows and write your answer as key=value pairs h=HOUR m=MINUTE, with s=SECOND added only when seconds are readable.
h=10 m=20 s=59
